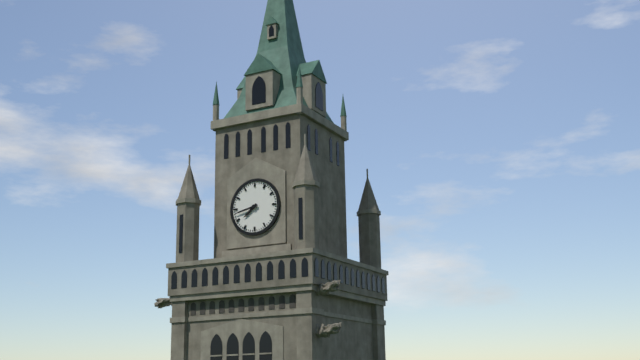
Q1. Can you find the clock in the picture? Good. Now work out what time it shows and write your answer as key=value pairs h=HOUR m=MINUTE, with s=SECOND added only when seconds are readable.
h=7 m=43
